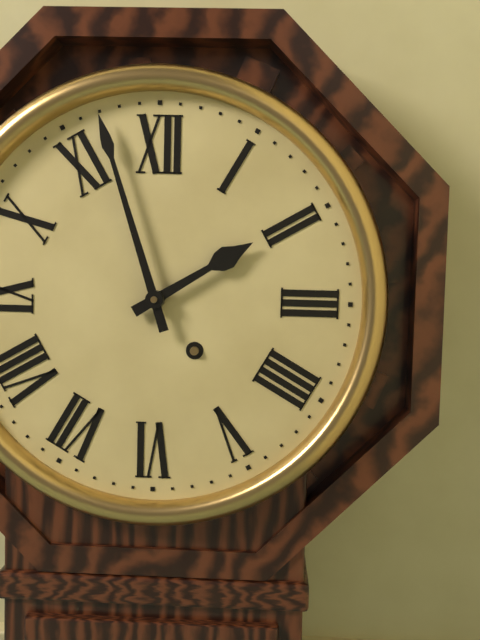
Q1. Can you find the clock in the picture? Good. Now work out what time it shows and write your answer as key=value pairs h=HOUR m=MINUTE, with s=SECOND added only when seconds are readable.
h=1 m=57
